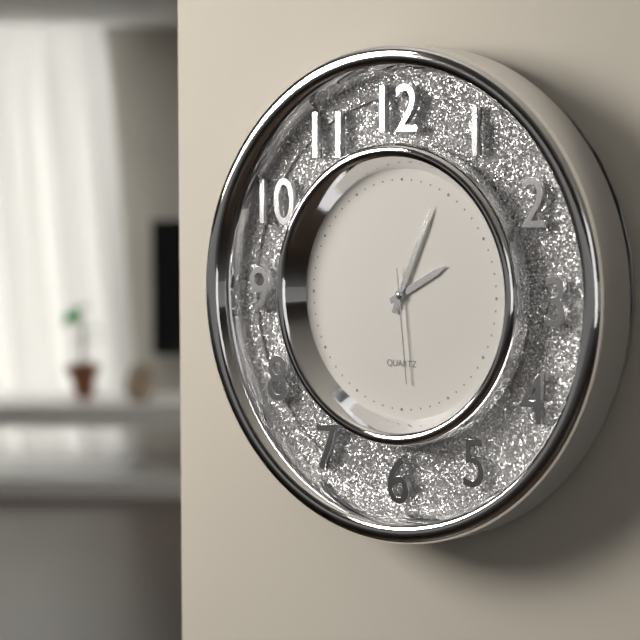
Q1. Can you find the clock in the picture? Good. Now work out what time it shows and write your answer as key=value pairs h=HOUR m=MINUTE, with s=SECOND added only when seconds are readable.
h=2 m=4 s=29
